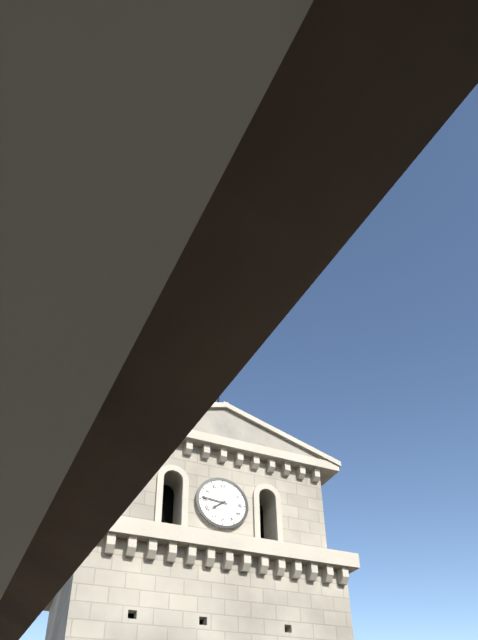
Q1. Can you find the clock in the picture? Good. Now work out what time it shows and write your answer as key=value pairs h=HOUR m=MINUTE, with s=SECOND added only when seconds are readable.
h=7 m=46
